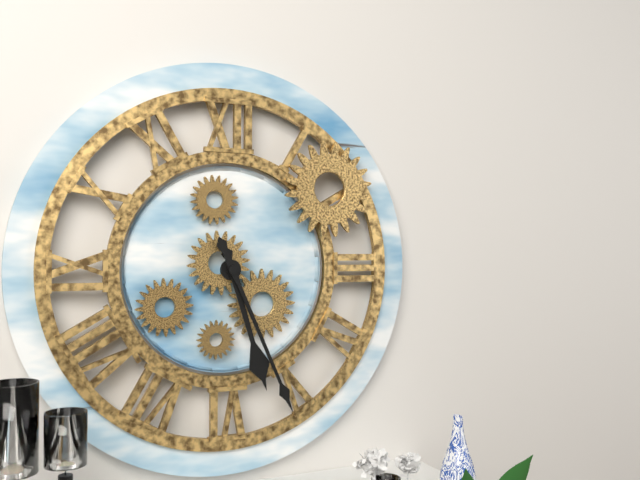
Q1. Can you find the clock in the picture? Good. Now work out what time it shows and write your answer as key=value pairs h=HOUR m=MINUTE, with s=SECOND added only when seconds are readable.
h=5 m=26
